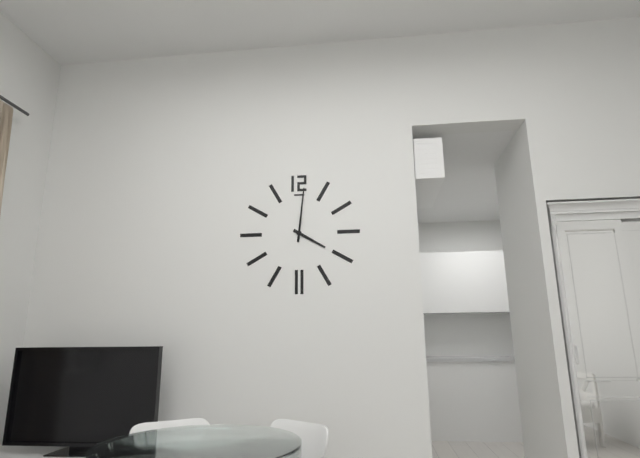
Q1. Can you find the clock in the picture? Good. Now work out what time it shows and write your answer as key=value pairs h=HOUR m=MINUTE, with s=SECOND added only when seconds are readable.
h=4 m=1
